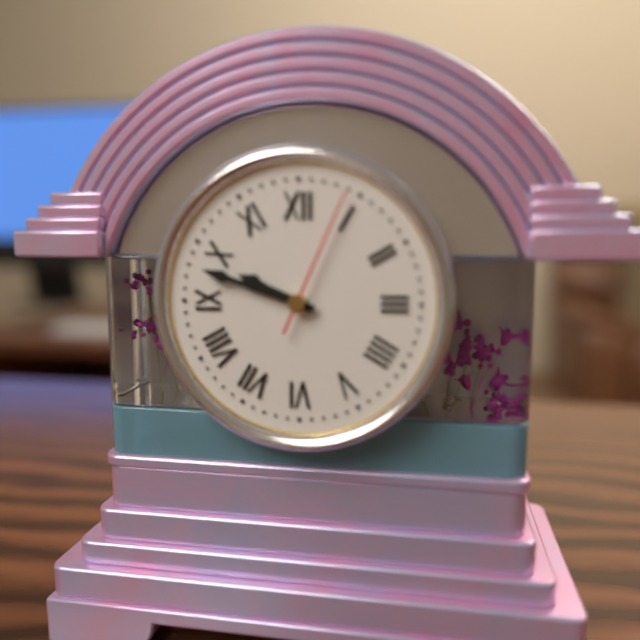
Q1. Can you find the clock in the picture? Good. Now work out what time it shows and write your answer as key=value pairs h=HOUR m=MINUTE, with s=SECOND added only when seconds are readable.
h=9 m=48 s=4
